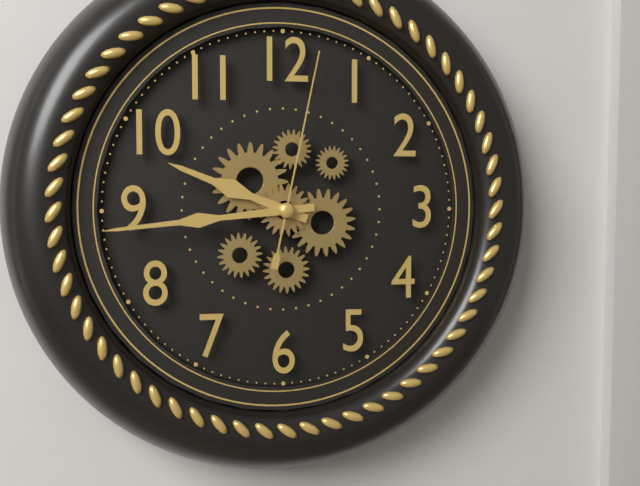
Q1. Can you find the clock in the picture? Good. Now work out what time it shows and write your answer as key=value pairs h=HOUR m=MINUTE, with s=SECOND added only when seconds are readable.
h=9 m=44 s=2
